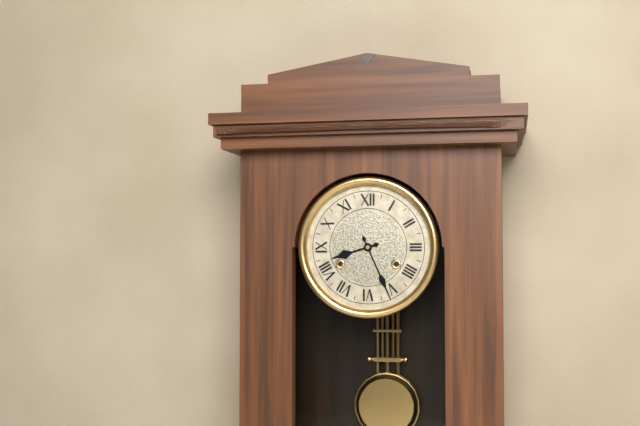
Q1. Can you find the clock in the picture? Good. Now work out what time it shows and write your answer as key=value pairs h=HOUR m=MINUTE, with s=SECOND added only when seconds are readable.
h=8 m=26
